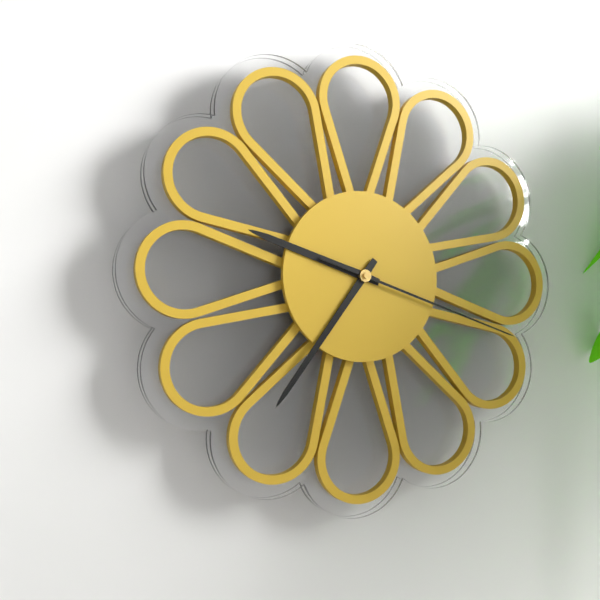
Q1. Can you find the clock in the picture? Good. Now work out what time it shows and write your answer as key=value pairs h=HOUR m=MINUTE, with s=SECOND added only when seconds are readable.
h=9 m=36 s=18
